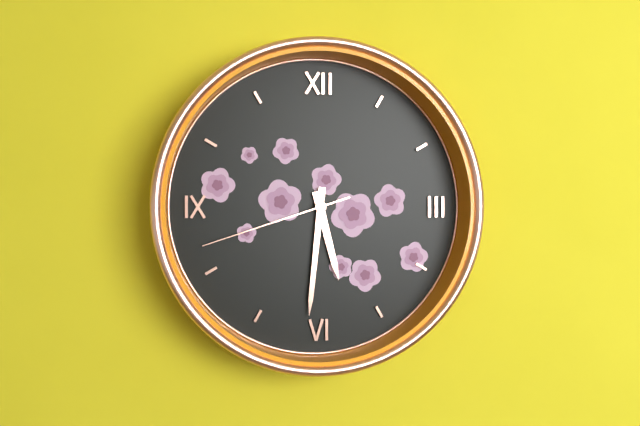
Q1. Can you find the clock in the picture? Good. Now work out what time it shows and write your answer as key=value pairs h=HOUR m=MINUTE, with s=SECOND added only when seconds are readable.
h=5 m=31 s=42
